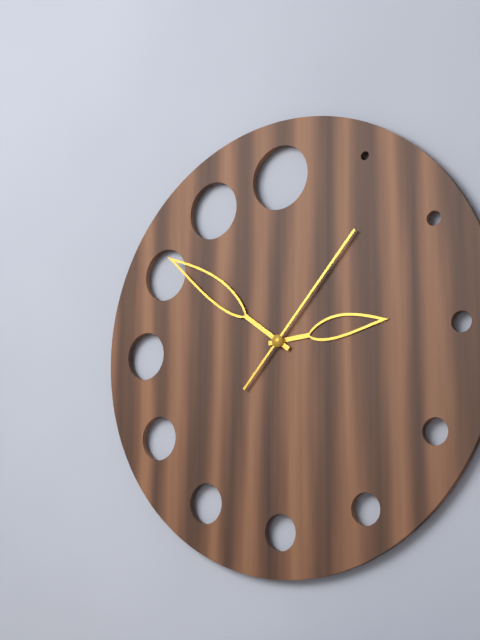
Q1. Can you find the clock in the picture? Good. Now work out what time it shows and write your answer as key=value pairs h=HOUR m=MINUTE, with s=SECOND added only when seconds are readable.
h=2 m=51 s=7
